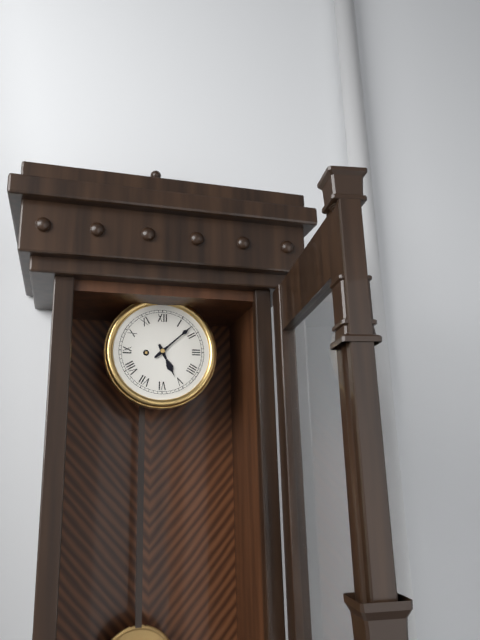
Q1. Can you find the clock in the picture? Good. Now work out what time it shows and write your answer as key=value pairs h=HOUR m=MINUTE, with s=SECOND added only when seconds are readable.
h=5 m=8
